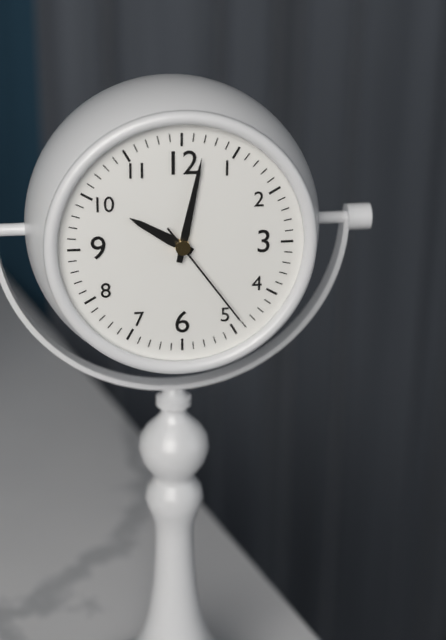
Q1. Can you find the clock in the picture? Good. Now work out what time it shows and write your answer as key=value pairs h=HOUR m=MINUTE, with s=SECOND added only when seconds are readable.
h=10 m=2 s=24
